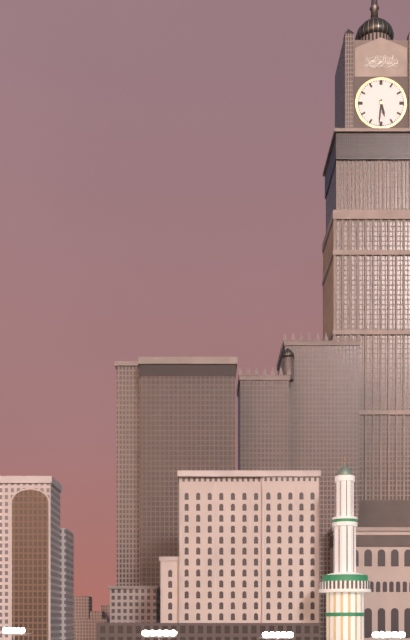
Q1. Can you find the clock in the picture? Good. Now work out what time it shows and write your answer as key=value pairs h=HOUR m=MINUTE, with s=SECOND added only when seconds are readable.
h=5 m=31
